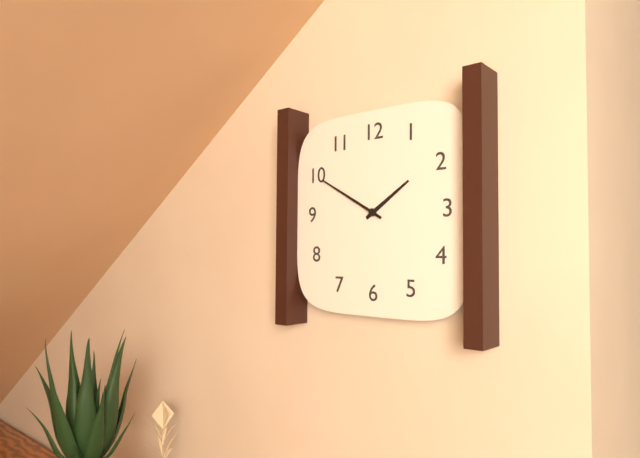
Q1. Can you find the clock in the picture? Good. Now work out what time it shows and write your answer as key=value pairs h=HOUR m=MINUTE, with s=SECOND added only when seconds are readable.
h=1 m=50
